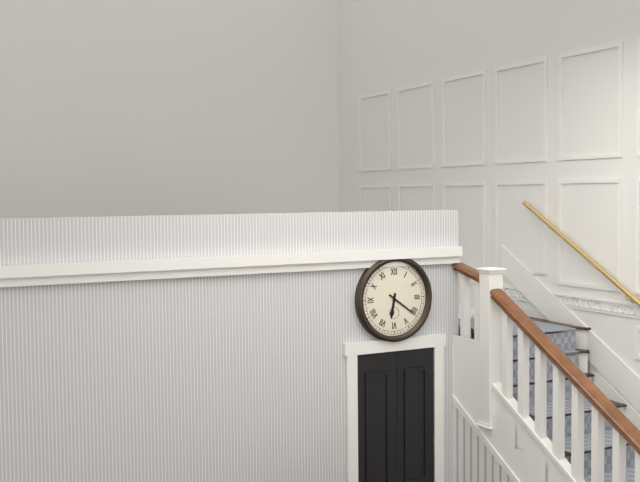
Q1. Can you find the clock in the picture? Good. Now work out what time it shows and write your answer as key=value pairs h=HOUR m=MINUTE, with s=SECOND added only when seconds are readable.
h=6 m=21
